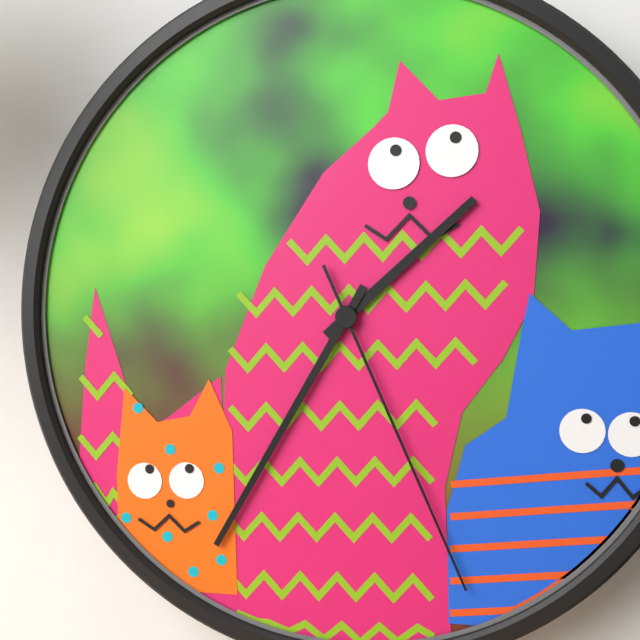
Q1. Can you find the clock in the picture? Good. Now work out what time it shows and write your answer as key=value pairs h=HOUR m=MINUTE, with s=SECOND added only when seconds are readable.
h=1 m=35 s=26
